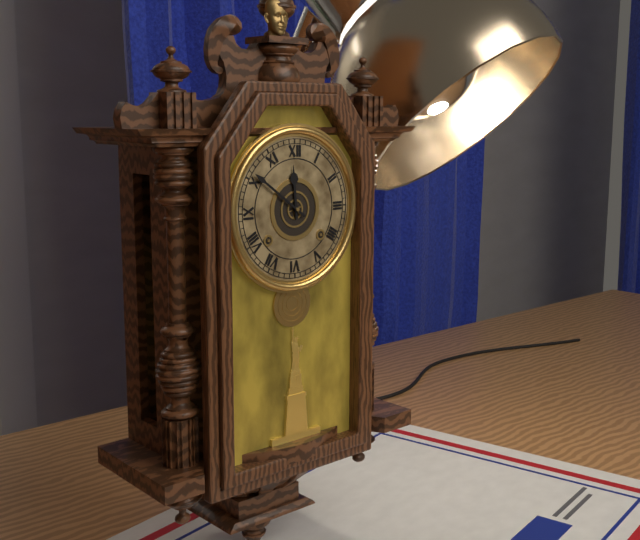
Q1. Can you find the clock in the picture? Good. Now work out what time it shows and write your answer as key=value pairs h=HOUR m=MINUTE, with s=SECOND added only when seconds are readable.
h=11 m=51
